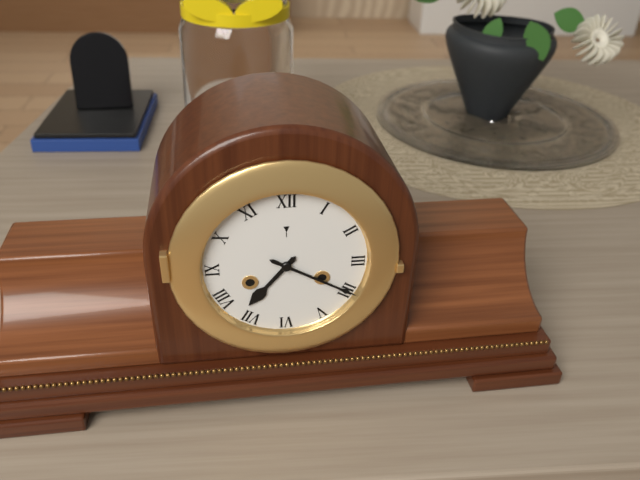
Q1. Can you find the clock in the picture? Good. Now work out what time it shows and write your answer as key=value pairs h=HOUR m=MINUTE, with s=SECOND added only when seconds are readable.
h=7 m=20
